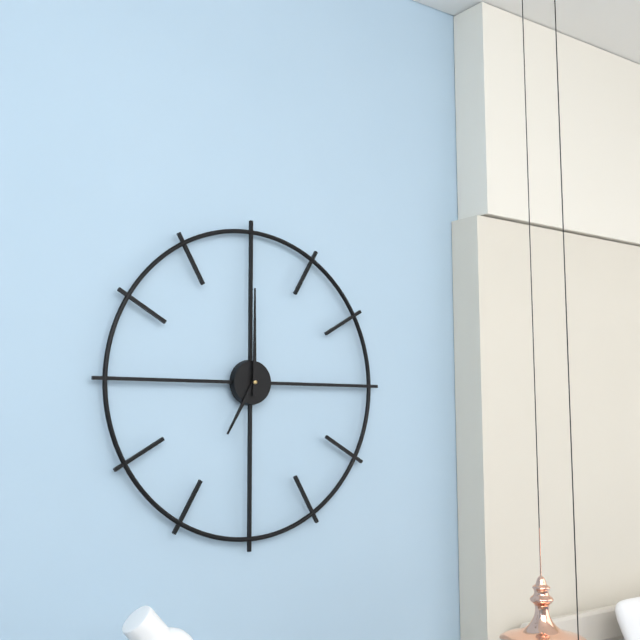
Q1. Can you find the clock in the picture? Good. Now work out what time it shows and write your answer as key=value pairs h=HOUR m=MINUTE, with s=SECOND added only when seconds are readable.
h=7 m=0
